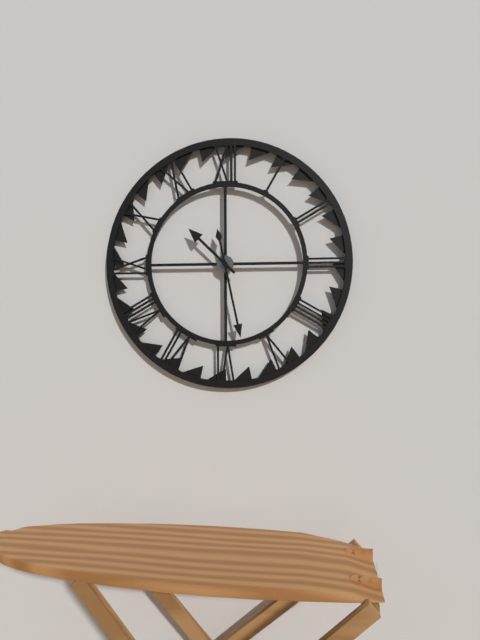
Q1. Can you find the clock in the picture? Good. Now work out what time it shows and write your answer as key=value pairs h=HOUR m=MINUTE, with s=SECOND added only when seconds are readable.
h=10 m=28
